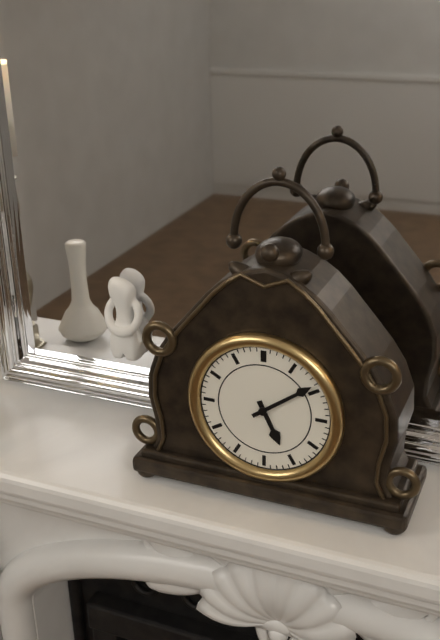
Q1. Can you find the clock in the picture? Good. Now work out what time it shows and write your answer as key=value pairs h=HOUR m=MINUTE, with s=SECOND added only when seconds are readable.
h=5 m=9
